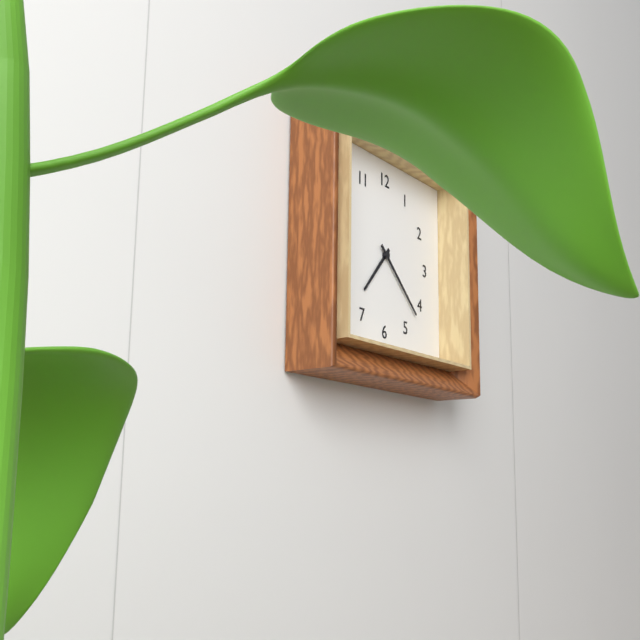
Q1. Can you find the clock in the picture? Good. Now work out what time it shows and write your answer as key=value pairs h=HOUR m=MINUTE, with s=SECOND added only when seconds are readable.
h=7 m=22
